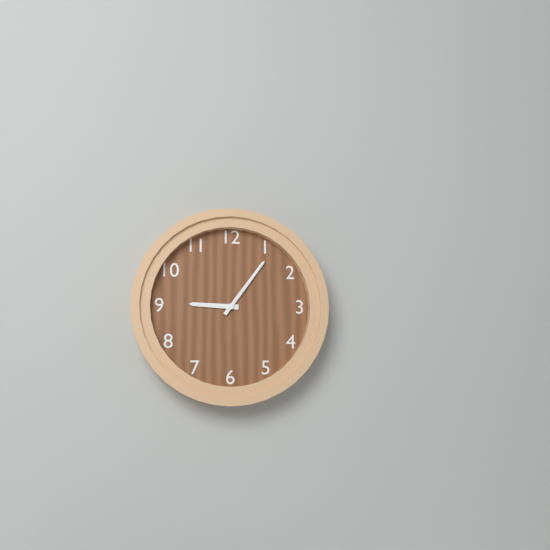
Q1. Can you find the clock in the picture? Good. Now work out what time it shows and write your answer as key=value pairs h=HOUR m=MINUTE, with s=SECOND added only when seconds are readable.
h=9 m=6
